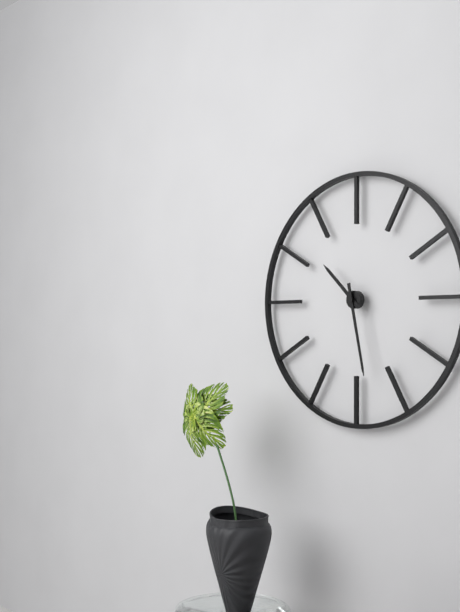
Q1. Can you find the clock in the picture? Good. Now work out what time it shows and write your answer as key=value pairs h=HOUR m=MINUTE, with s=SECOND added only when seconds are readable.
h=10 m=28
